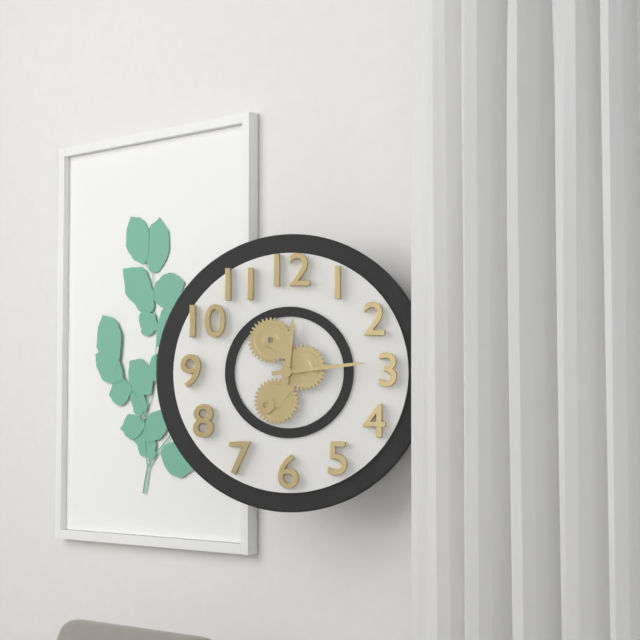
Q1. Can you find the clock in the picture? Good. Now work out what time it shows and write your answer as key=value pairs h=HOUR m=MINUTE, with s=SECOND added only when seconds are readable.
h=12 m=14
